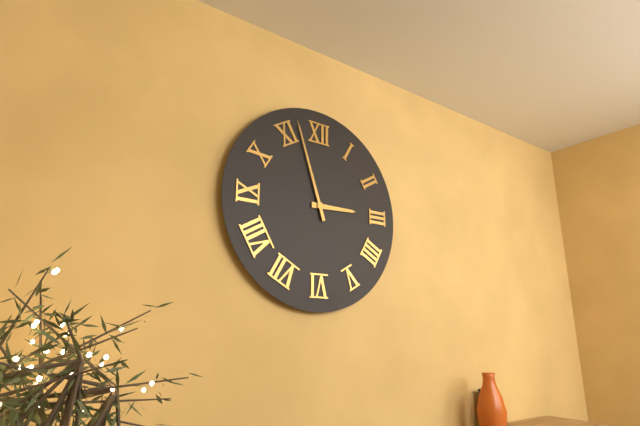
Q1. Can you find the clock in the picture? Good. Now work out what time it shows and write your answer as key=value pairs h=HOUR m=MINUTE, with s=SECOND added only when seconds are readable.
h=2 m=57
